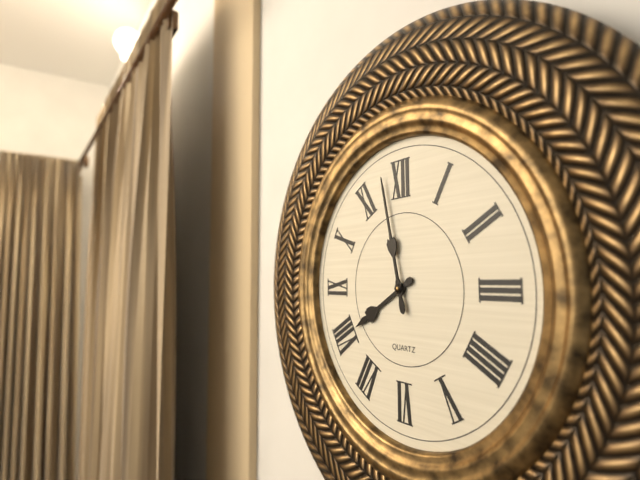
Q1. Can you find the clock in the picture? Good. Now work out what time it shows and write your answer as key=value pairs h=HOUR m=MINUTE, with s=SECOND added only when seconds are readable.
h=7 m=58
